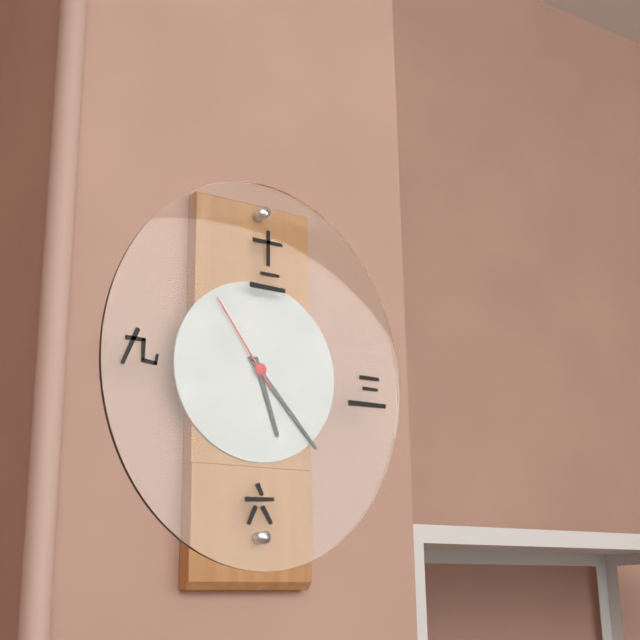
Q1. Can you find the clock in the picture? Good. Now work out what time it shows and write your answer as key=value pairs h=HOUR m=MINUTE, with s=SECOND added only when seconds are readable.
h=5 m=23 s=54
